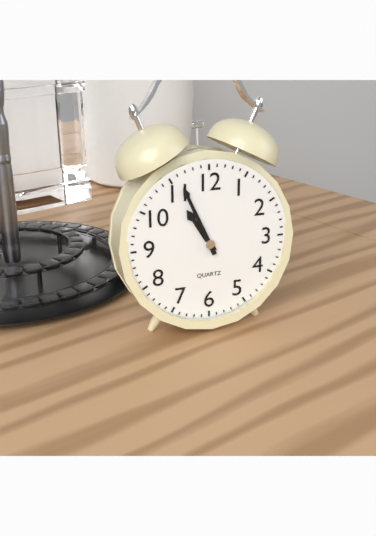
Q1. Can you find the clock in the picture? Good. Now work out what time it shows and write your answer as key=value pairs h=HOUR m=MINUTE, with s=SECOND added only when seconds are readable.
h=10 m=56
